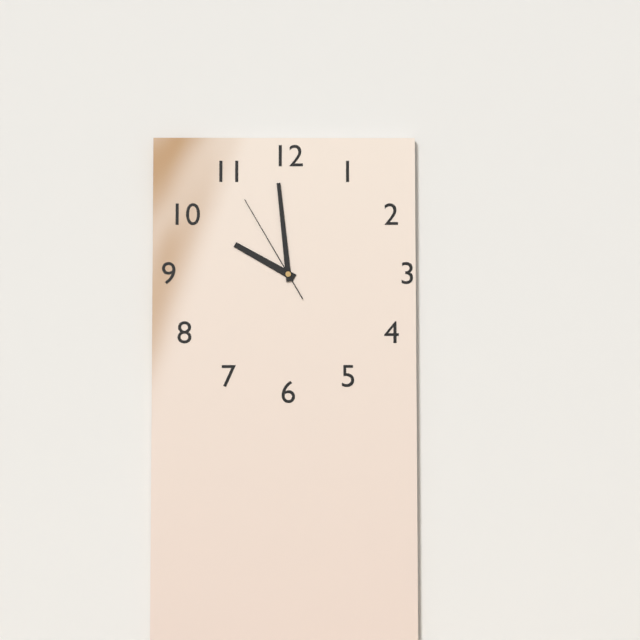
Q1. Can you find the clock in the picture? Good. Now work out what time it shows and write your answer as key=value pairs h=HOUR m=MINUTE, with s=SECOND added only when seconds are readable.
h=9 m=59 s=55
